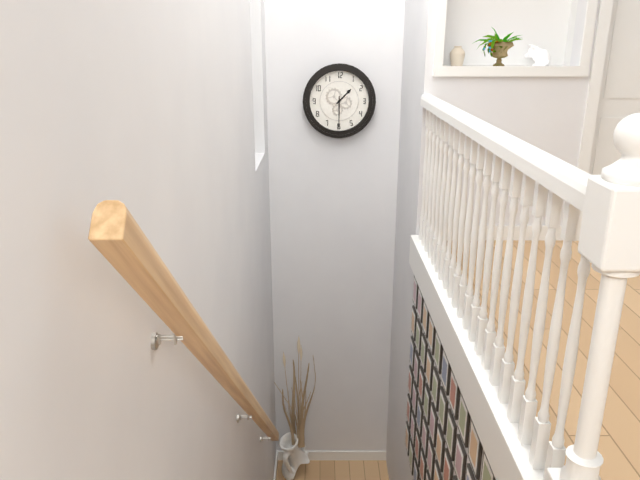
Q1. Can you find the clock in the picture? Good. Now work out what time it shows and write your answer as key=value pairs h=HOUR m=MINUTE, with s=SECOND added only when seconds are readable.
h=1 m=30
